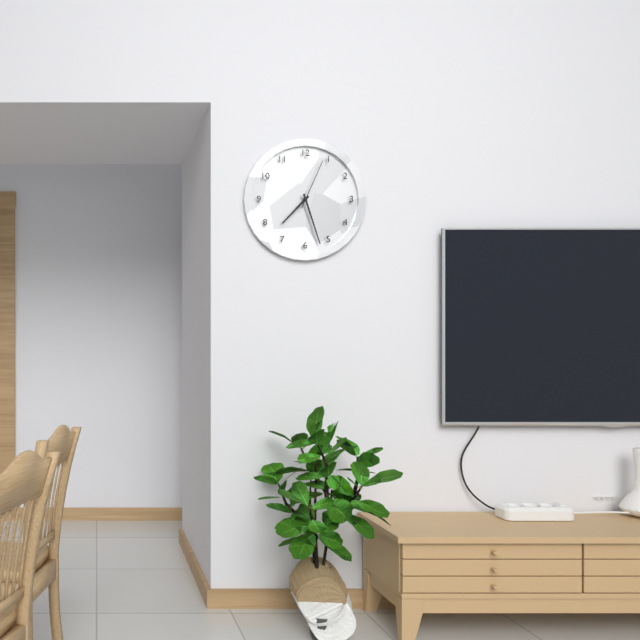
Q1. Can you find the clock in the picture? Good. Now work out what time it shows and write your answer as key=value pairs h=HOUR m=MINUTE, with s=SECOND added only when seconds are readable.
h=7 m=27 s=4
